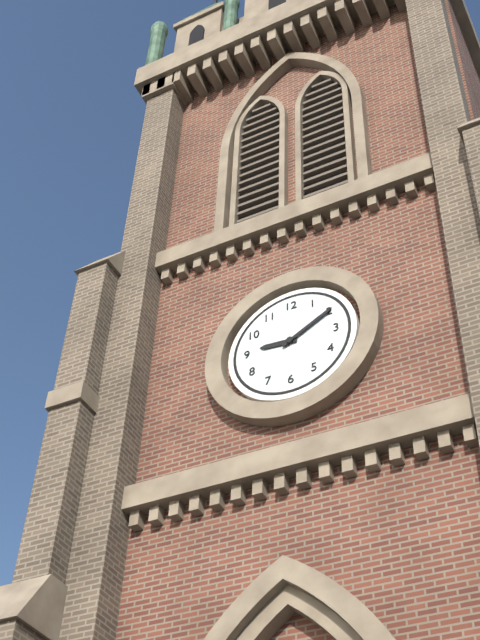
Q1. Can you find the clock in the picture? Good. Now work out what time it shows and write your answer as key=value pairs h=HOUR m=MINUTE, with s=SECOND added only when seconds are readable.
h=9 m=10
